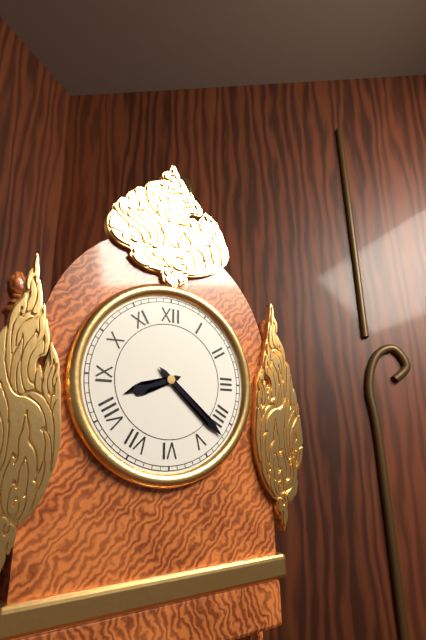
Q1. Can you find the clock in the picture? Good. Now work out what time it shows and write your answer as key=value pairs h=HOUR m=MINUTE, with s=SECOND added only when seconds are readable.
h=8 m=22
